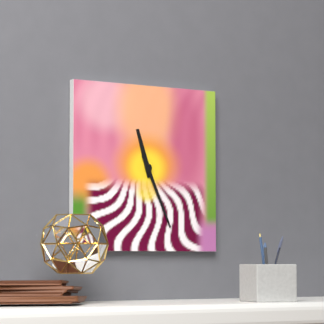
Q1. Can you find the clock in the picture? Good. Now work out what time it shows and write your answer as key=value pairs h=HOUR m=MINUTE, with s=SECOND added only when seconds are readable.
h=11 m=26
